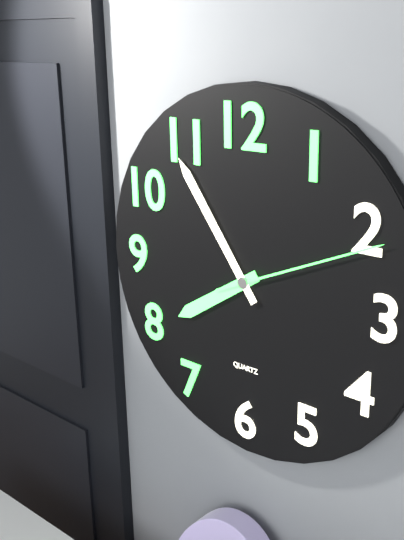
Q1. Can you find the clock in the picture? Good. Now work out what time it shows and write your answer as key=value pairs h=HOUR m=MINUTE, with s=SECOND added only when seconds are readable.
h=7 m=54 s=11
